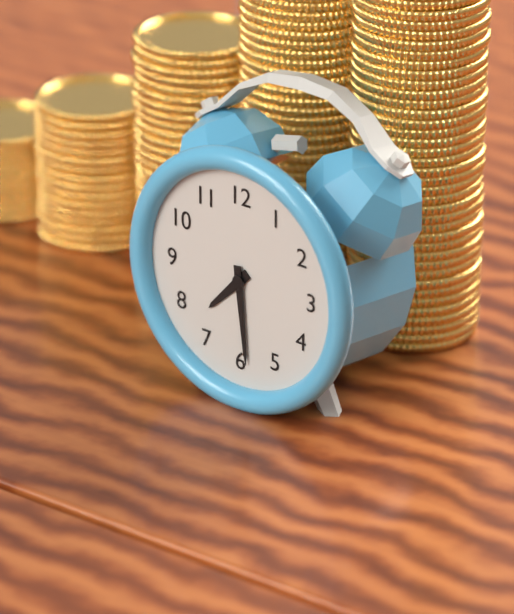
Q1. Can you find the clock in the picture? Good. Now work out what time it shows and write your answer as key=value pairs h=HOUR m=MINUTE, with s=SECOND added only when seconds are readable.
h=7 m=29
